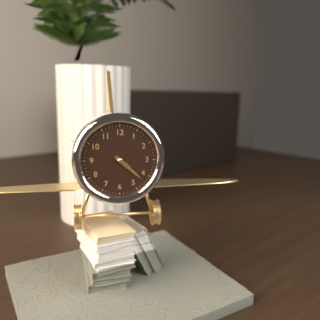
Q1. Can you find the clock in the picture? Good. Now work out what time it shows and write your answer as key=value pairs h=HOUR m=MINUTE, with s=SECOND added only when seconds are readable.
h=4 m=22
